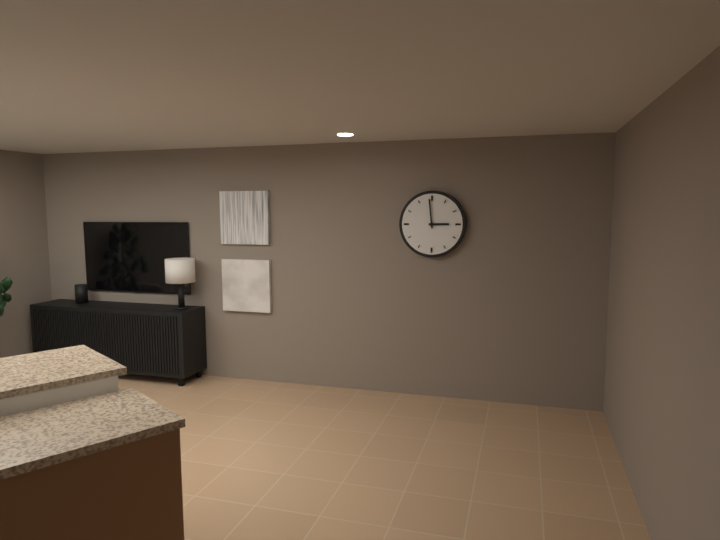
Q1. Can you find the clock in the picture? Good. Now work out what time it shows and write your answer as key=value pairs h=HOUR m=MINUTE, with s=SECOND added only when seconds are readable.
h=2 m=59
